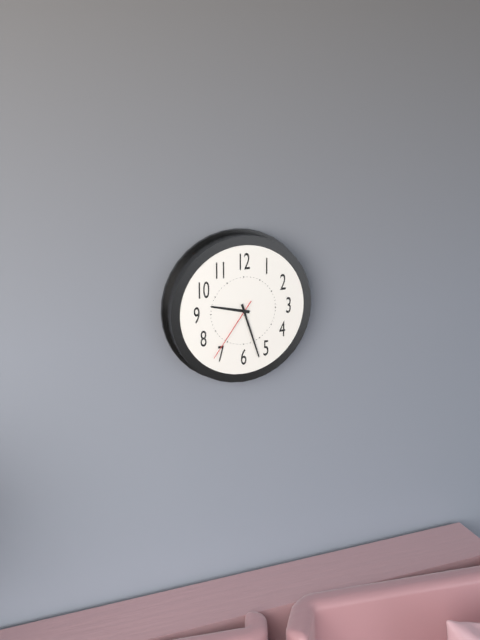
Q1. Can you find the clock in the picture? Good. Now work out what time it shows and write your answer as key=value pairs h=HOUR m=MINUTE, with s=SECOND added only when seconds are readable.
h=9 m=27 s=36
